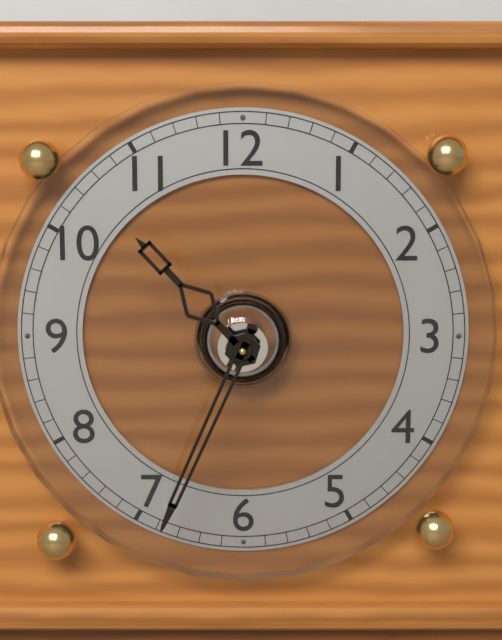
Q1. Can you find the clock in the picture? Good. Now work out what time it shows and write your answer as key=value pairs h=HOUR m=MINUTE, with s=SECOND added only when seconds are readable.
h=10 m=34
